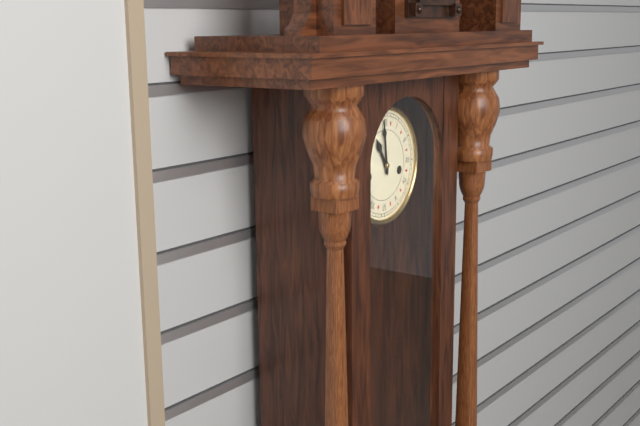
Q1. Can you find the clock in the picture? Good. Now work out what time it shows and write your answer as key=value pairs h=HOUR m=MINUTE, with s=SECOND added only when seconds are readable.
h=10 m=59
